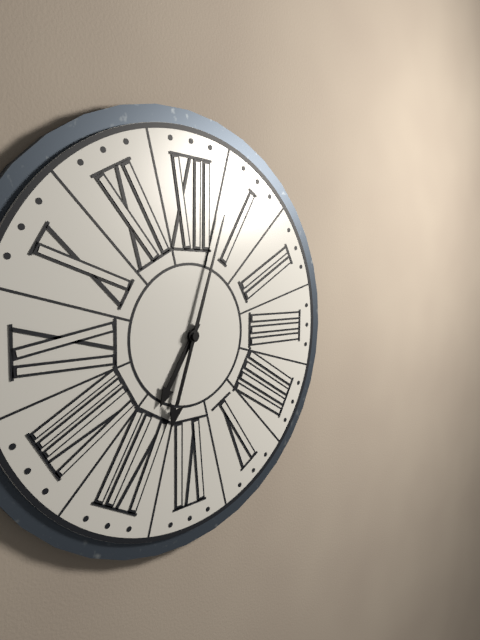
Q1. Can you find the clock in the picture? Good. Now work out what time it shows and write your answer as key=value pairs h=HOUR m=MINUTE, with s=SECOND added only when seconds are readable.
h=7 m=3
